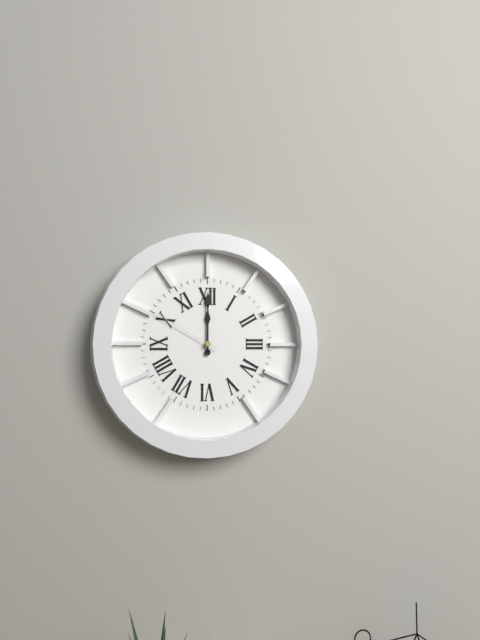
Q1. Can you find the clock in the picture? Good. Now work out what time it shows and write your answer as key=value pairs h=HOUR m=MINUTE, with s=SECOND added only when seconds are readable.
h=12 m=0 s=50
